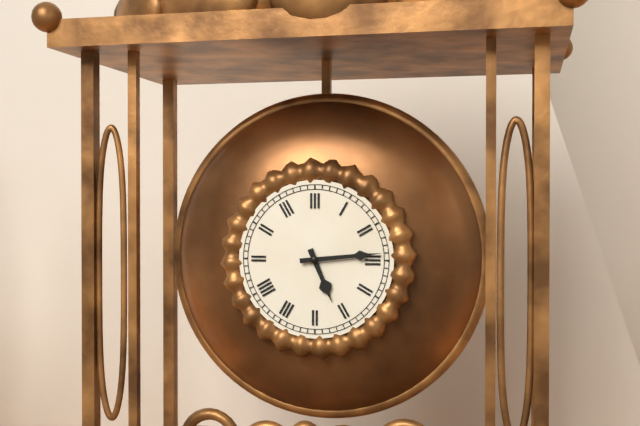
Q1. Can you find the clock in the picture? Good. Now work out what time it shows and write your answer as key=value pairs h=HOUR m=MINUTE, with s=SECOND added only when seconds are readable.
h=5 m=14
